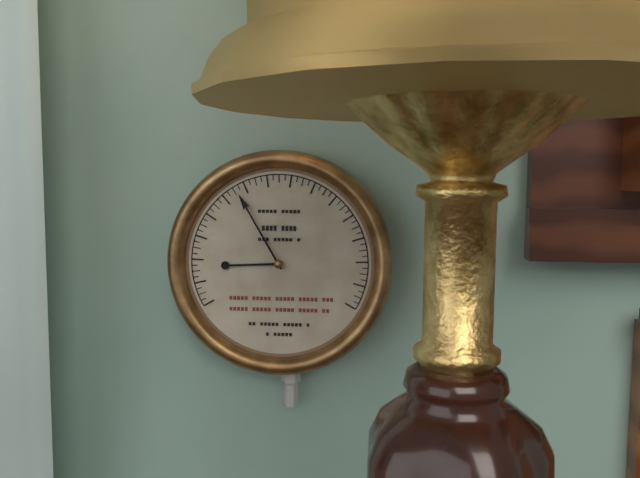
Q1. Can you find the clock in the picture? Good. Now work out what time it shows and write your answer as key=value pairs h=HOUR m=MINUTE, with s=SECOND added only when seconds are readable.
h=8 m=55
